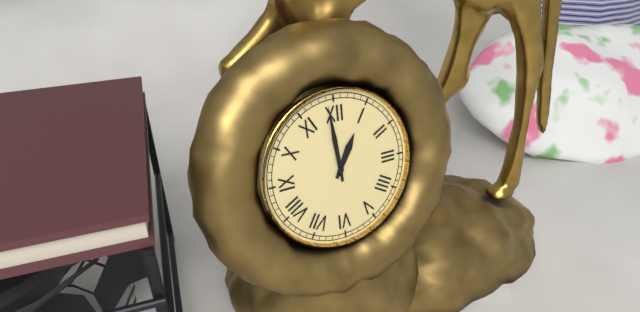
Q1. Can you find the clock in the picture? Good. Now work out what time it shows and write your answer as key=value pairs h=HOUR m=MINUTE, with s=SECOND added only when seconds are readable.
h=12 m=59
